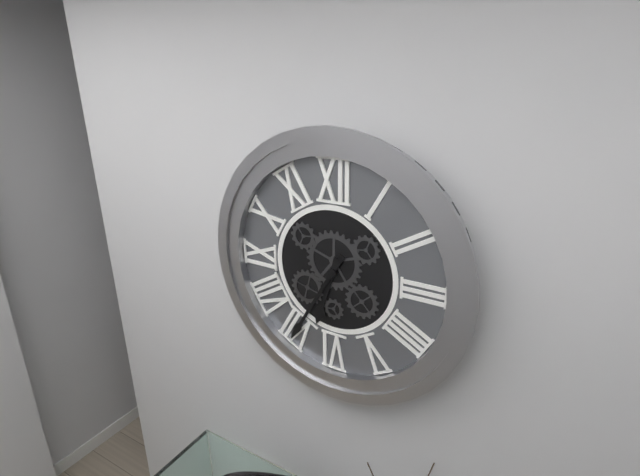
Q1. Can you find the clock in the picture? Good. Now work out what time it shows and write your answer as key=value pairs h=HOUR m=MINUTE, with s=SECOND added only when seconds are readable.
h=6 m=35
